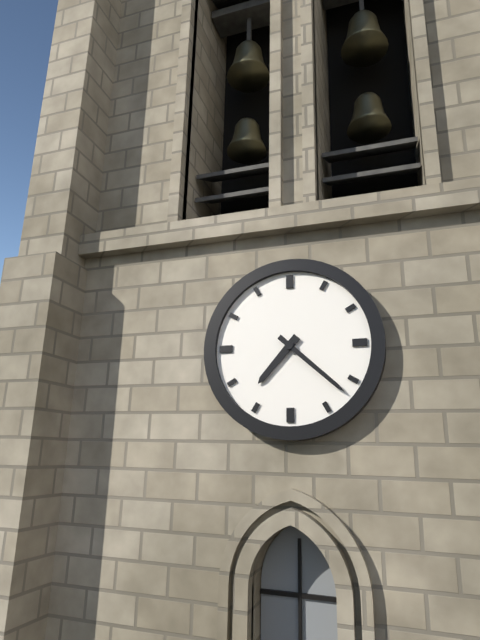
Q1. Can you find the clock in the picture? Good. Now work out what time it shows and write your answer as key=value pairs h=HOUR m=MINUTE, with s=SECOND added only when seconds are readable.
h=7 m=22
